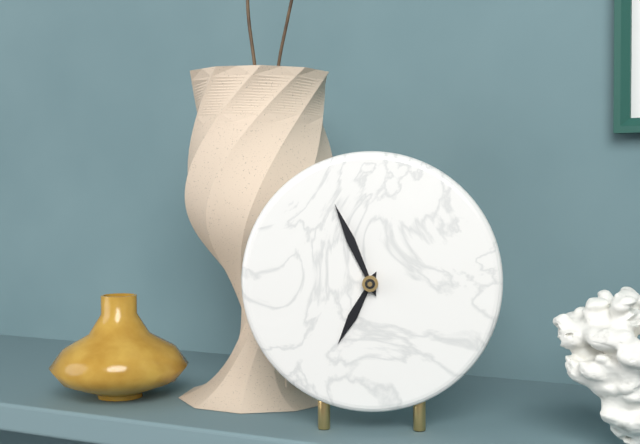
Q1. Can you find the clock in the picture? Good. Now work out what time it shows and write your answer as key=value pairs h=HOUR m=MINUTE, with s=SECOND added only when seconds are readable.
h=6 m=56
